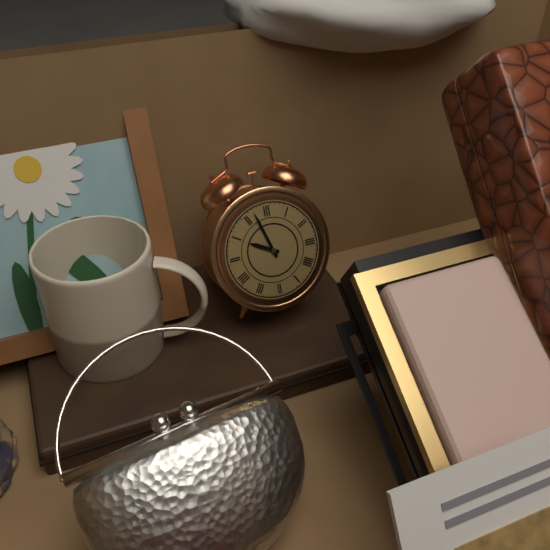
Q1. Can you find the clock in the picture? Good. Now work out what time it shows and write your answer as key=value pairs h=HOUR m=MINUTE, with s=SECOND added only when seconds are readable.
h=9 m=57
